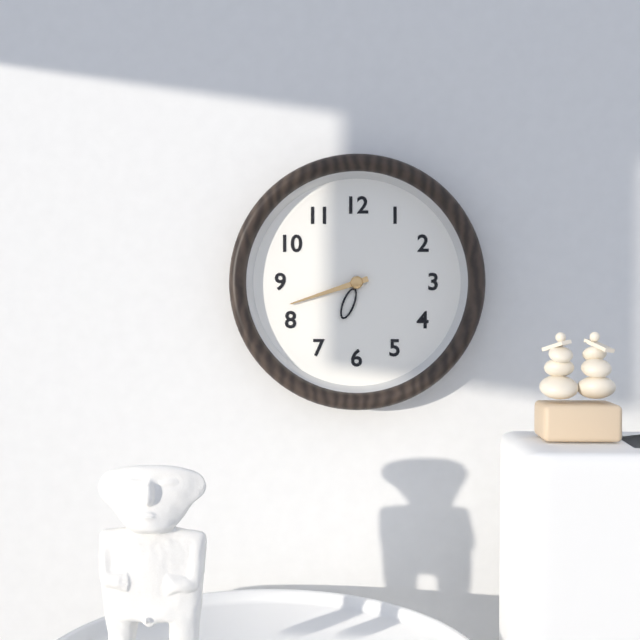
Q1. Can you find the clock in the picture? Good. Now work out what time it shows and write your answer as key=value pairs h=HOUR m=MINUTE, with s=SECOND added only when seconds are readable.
h=6 m=42
